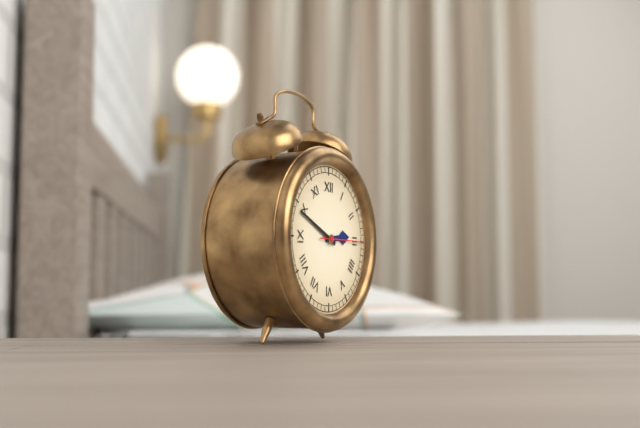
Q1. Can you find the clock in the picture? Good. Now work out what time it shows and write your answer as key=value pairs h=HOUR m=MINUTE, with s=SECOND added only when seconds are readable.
h=2 m=49
